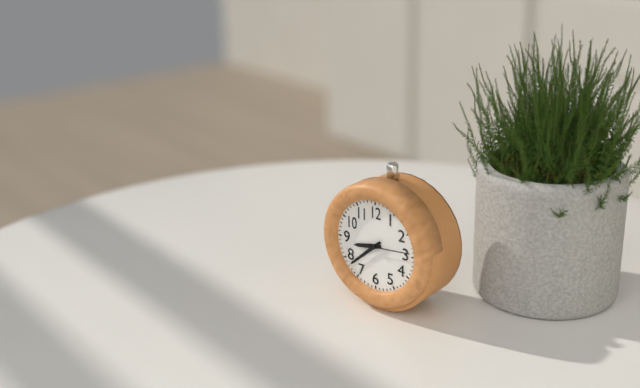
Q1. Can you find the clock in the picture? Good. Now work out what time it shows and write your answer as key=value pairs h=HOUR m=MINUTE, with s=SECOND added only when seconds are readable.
h=8 m=38
